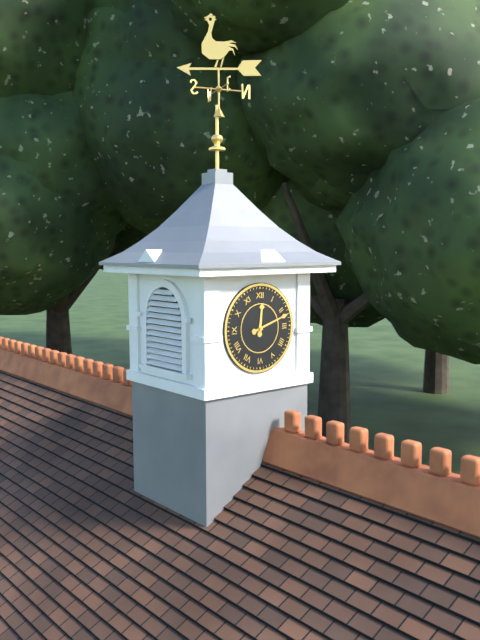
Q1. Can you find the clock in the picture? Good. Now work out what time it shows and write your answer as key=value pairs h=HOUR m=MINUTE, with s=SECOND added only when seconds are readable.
h=12 m=12
